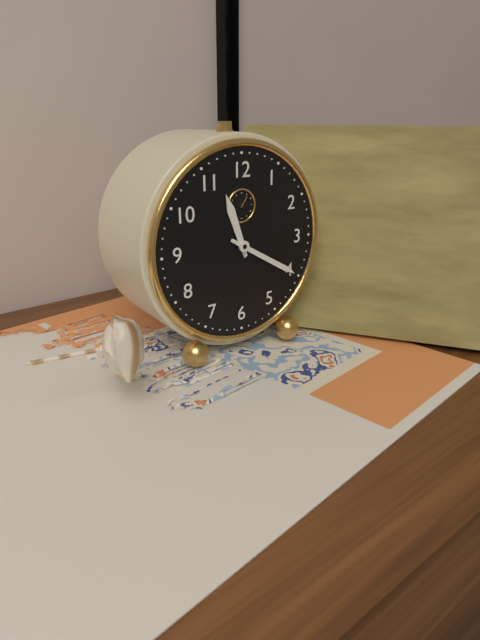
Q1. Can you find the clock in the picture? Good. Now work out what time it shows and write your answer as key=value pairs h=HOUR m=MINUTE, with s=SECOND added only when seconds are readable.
h=11 m=20
